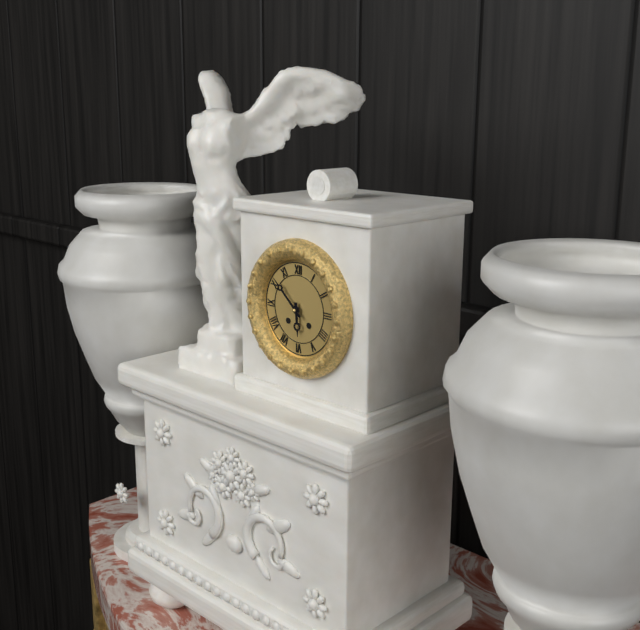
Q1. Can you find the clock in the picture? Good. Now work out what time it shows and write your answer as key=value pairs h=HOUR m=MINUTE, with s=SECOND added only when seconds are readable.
h=5 m=52
